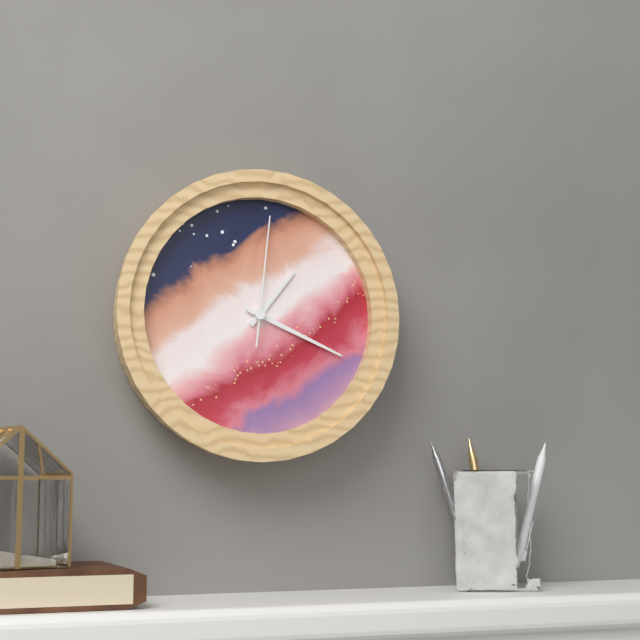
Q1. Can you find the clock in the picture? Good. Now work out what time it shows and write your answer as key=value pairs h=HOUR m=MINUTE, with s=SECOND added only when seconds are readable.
h=1 m=19 s=1
